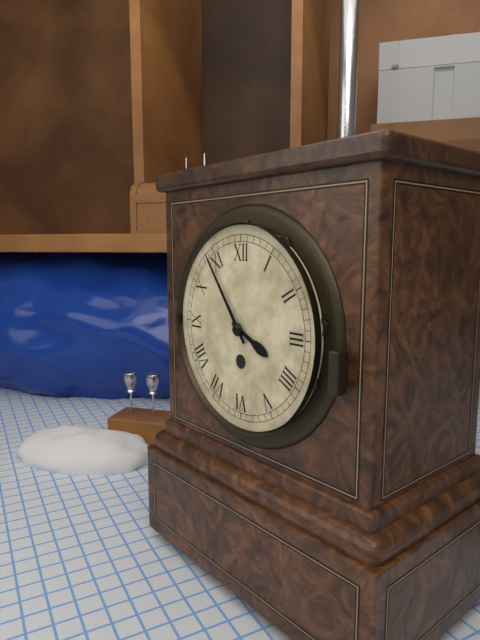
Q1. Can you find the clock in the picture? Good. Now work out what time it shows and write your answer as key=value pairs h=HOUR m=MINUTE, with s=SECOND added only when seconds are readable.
h=3 m=54
